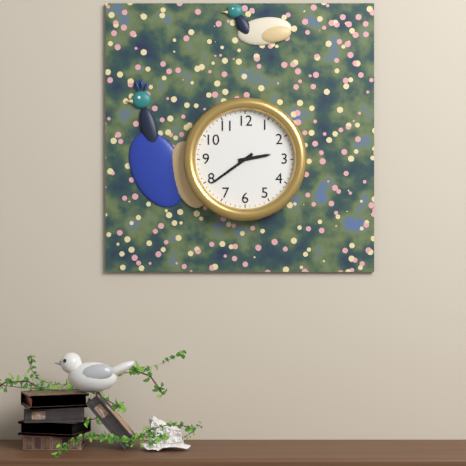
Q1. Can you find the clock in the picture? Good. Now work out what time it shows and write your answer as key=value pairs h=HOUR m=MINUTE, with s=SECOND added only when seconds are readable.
h=2 m=39
